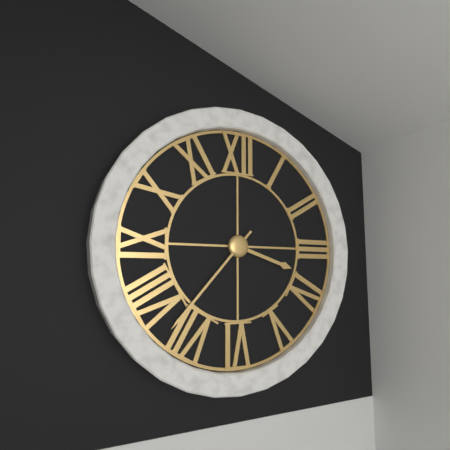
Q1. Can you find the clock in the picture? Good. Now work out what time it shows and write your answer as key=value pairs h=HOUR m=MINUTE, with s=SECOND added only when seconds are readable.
h=3 m=37
